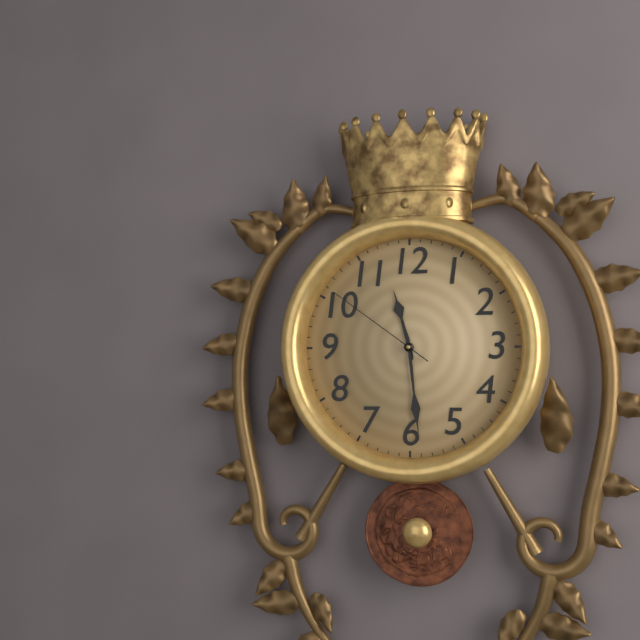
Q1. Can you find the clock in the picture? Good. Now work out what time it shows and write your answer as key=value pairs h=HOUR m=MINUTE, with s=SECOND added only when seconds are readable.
h=11 m=29 s=51
